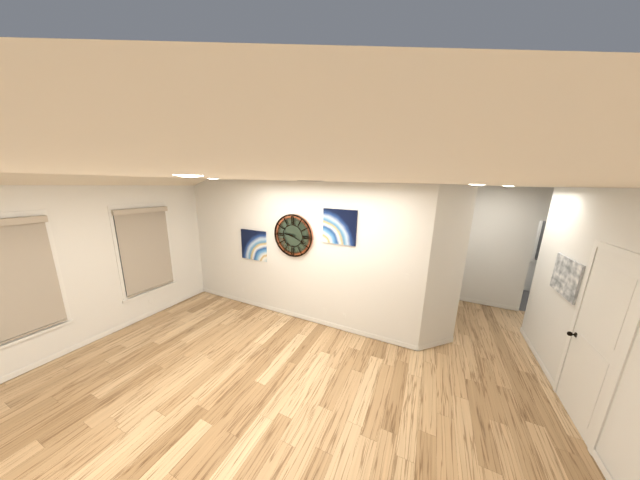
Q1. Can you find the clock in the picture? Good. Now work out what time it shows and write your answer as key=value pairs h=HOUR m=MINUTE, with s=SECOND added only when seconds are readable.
h=9 m=19
